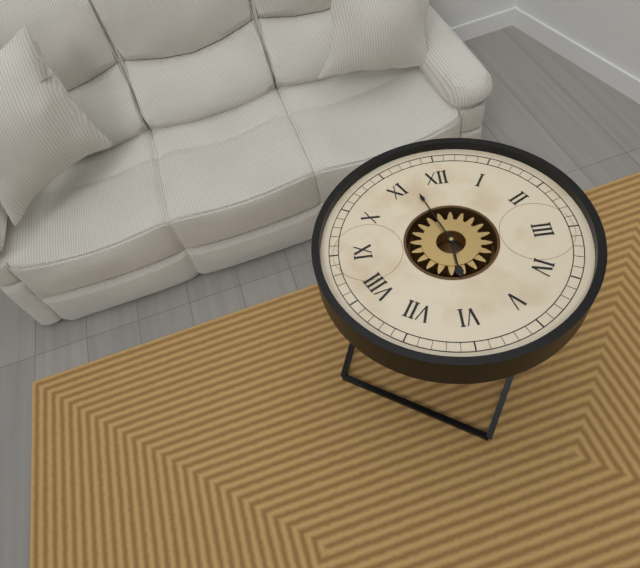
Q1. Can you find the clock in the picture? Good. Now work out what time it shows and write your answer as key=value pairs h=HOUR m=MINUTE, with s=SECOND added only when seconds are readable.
h=5 m=57
